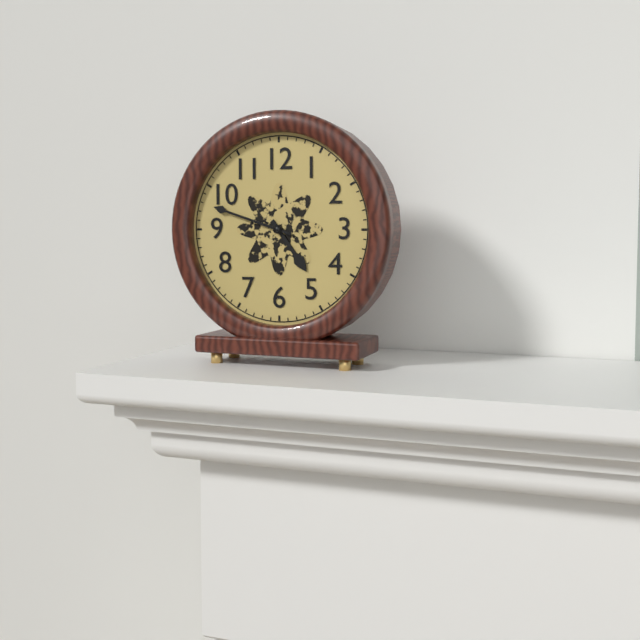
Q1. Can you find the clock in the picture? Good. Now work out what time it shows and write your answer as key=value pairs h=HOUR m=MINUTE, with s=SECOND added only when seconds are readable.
h=4 m=48
